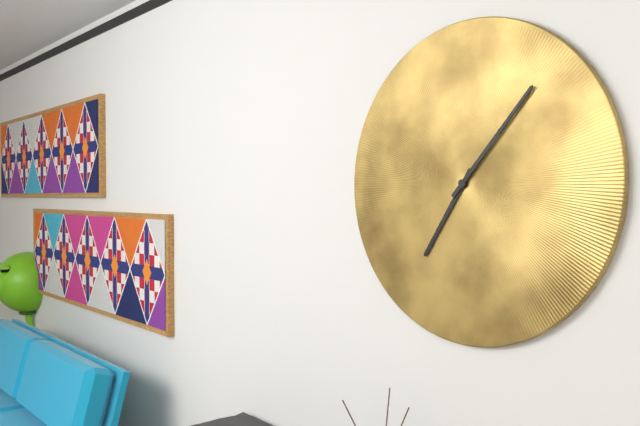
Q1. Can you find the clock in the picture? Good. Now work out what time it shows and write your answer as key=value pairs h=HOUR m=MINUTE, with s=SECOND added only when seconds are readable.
h=7 m=7
